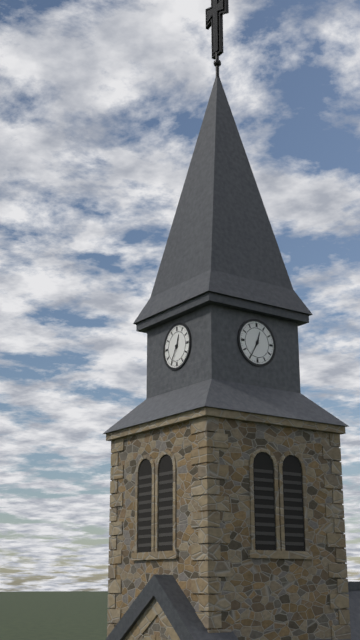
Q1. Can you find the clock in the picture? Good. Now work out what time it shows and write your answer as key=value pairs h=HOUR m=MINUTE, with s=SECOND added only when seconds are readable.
h=12 m=35
